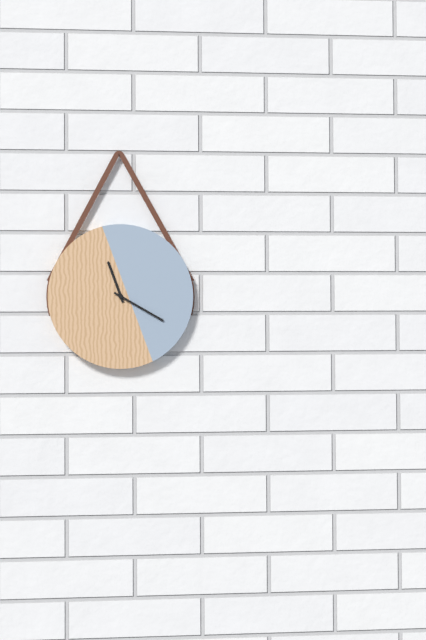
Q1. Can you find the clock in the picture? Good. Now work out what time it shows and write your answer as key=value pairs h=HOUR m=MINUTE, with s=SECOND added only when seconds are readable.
h=11 m=20
